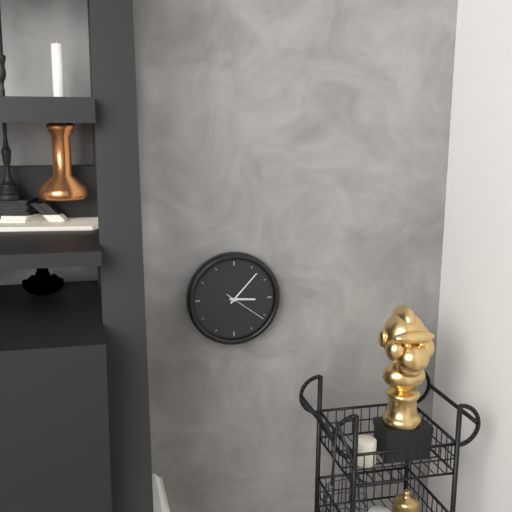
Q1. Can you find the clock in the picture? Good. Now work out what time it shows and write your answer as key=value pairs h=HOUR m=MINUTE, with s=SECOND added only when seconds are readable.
h=3 m=7
